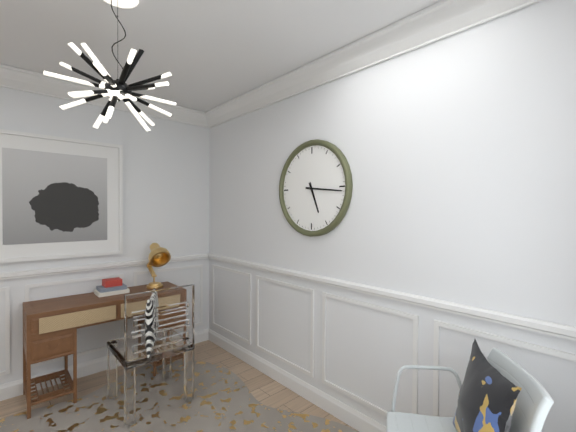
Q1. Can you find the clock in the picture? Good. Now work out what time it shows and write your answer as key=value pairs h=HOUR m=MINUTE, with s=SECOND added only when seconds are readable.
h=5 m=16
